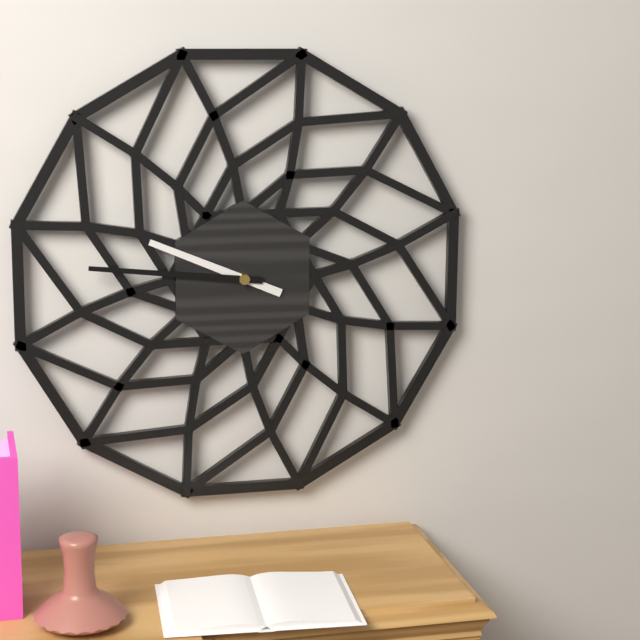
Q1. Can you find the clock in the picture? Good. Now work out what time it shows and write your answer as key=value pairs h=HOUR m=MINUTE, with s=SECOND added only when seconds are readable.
h=9 m=46
